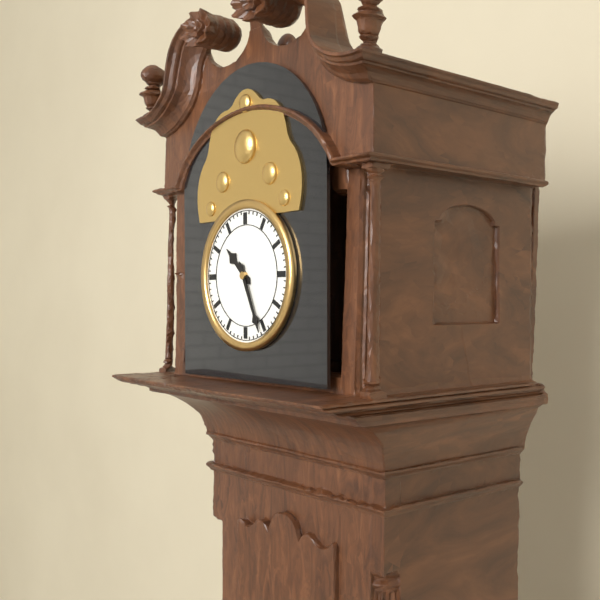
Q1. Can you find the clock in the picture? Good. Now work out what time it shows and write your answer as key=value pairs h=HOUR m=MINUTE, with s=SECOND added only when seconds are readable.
h=10 m=26
